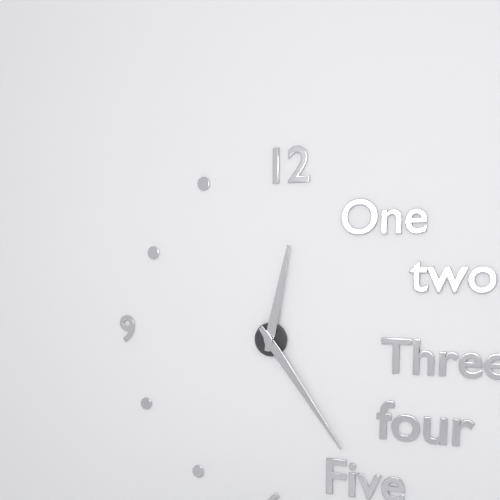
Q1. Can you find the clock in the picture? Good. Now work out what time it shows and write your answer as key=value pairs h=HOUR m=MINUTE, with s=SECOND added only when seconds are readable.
h=12 m=24
